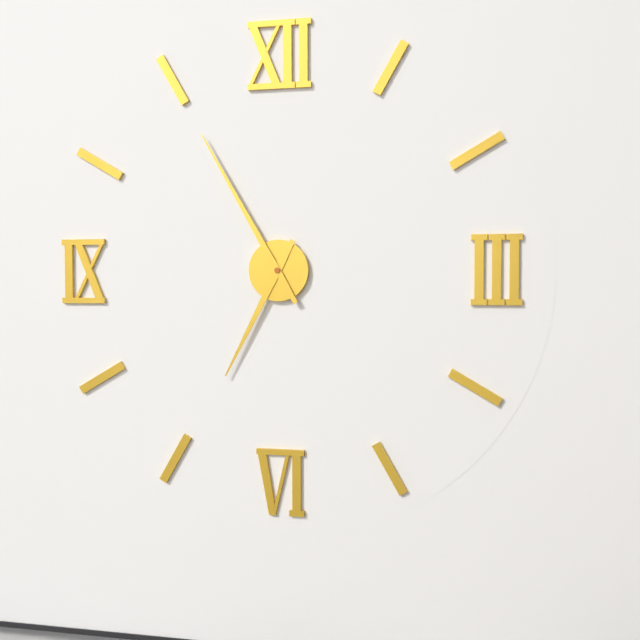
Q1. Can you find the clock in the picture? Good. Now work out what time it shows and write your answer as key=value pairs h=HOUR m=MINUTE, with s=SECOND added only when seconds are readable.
h=6 m=55
